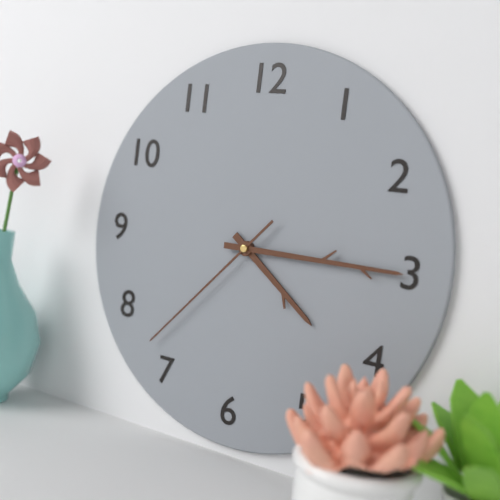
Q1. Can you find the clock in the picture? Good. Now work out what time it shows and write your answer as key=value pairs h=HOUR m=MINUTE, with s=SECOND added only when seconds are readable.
h=4 m=15 s=37
